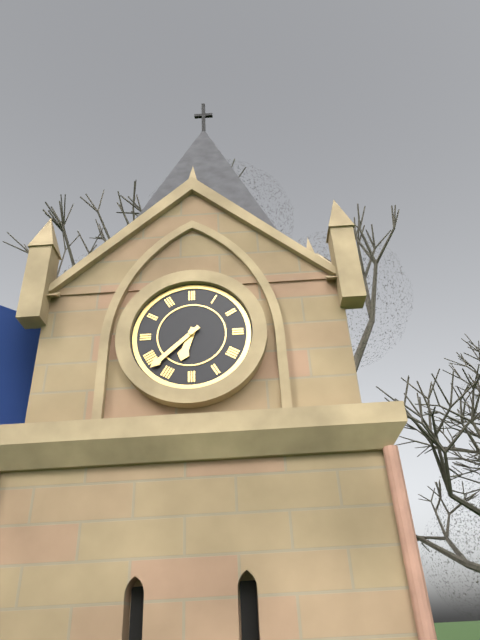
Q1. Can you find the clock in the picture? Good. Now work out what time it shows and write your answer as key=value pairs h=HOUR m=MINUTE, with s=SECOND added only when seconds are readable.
h=6 m=38
